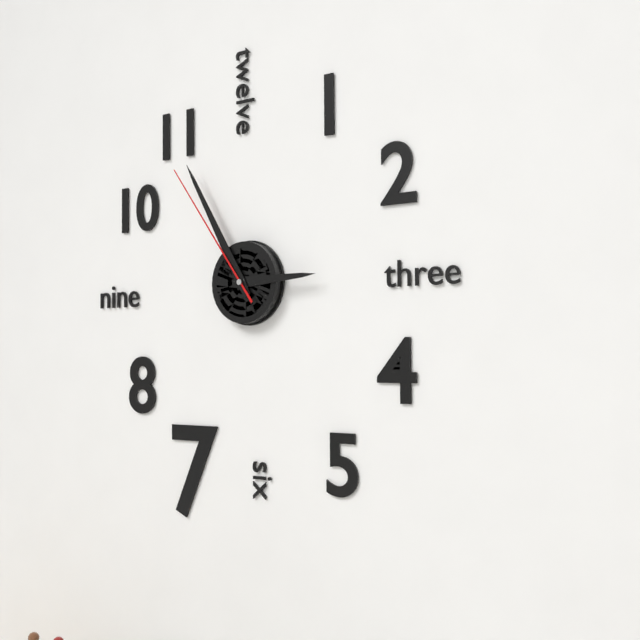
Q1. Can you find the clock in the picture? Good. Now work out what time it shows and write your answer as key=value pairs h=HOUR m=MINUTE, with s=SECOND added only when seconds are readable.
h=2 m=55 s=54
